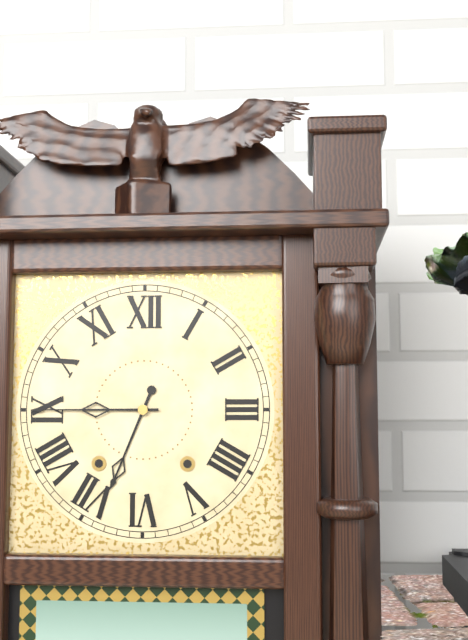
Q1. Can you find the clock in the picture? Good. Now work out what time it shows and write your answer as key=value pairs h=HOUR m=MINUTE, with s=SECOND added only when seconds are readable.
h=6 m=45
